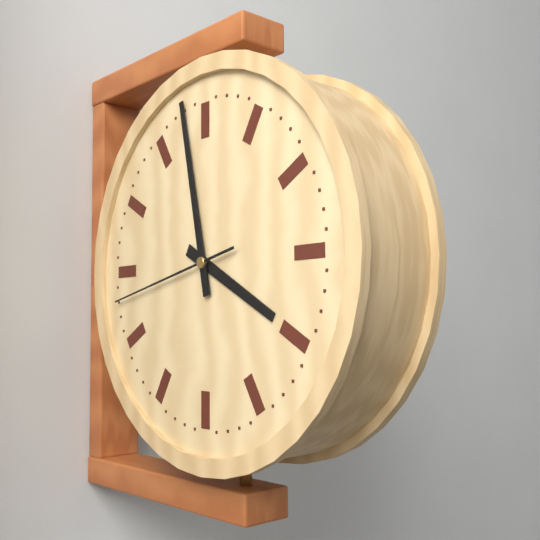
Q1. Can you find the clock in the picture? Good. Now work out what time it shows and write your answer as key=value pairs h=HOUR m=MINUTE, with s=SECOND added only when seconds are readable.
h=3 m=58 s=43
